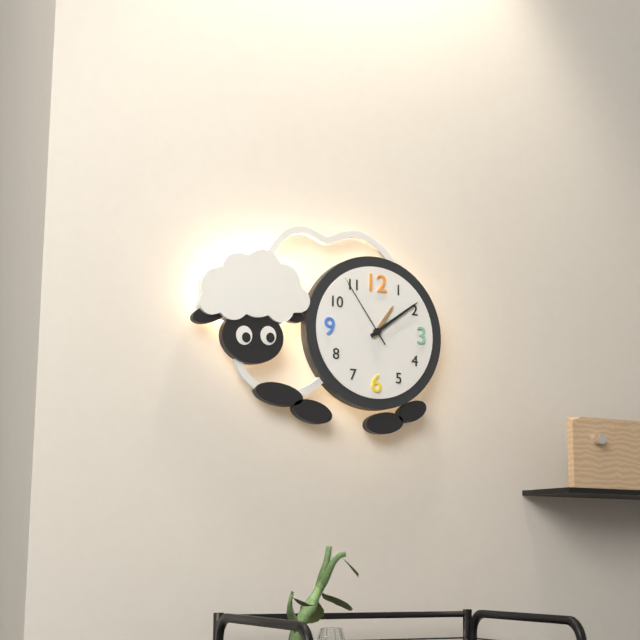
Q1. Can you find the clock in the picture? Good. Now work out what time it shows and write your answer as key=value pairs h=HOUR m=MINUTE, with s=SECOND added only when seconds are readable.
h=1 m=9 s=54
